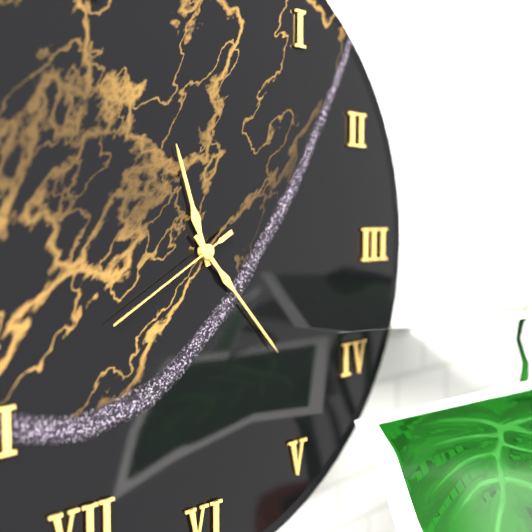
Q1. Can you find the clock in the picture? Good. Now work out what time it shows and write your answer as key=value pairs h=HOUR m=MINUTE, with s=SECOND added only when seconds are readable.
h=11 m=23 s=40
